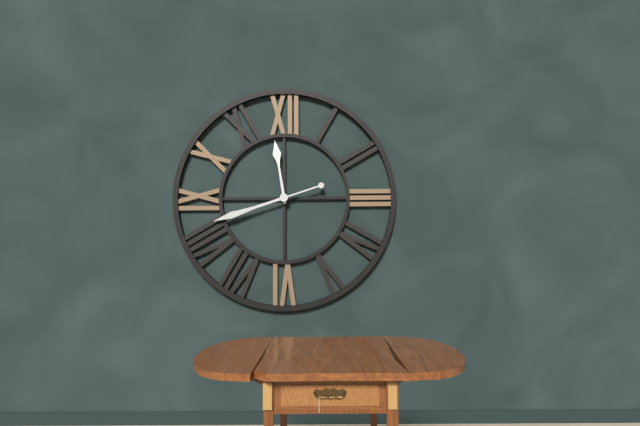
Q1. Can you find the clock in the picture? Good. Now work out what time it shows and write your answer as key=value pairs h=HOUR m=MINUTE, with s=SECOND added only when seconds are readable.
h=11 m=42
